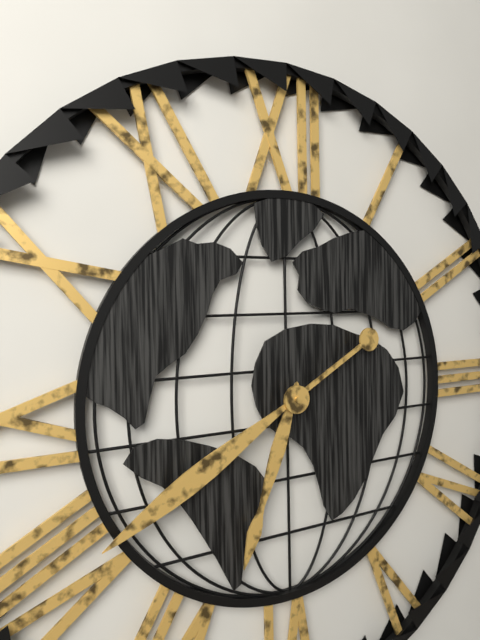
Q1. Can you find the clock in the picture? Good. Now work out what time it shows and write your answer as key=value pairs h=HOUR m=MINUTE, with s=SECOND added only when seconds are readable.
h=6 m=40
